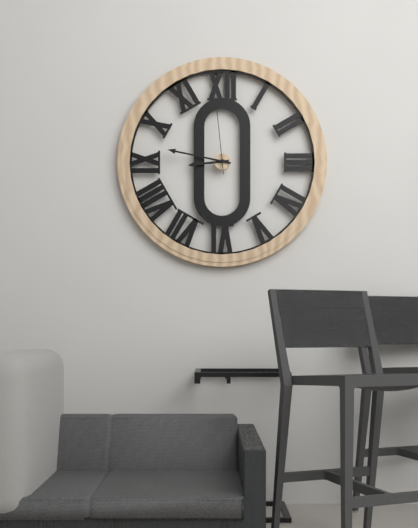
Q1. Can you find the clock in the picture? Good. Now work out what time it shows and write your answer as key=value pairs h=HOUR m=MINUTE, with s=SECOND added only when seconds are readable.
h=8 m=47 s=59
